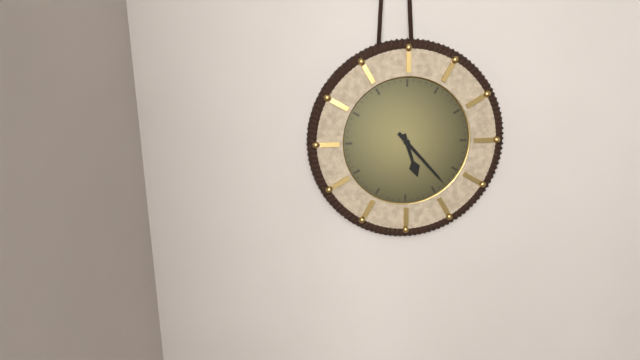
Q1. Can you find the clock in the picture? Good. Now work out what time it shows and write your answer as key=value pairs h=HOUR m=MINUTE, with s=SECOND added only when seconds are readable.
h=5 m=23
